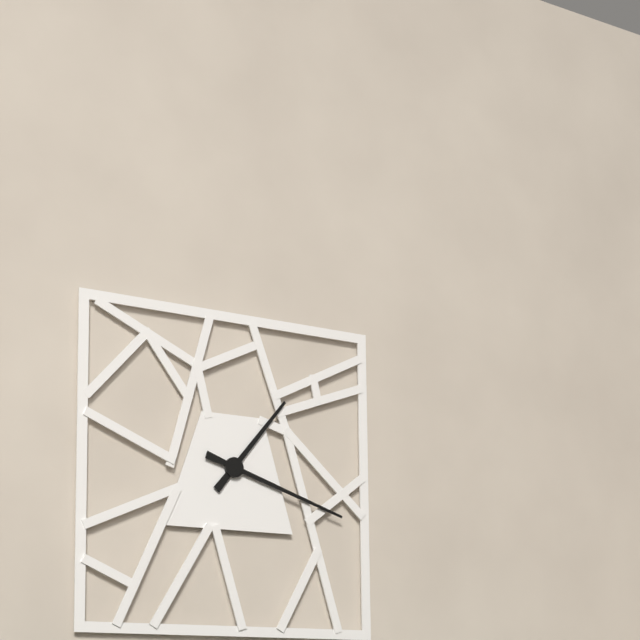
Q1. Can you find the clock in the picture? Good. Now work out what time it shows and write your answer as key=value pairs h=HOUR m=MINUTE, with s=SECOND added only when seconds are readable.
h=1 m=18
